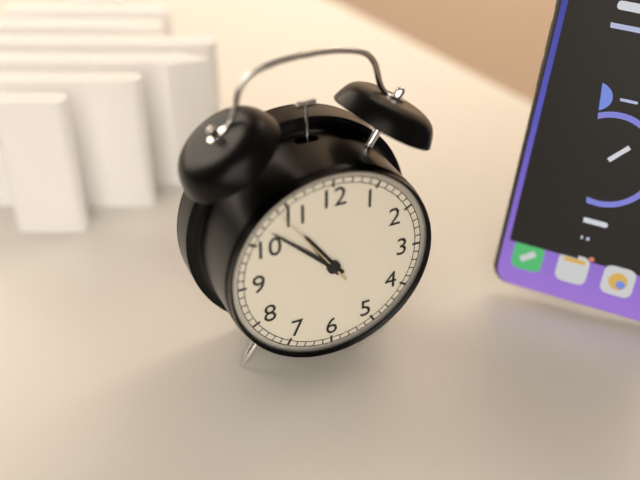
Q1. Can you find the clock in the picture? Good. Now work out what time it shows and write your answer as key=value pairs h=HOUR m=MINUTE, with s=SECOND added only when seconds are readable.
h=10 m=52 s=54
